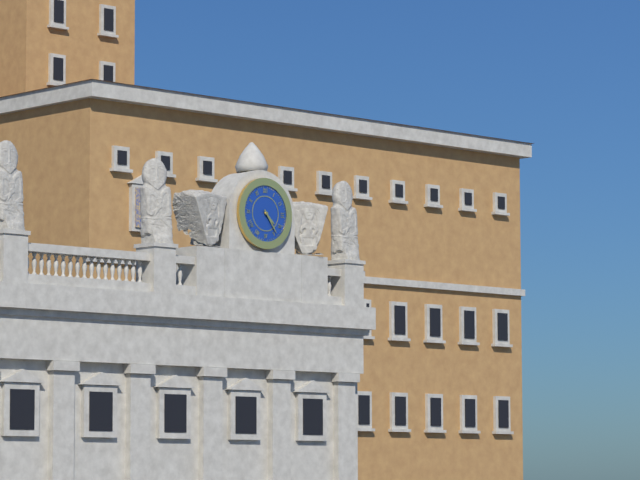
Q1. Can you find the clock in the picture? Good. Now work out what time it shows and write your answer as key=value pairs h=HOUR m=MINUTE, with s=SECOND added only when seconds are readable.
h=4 m=24
